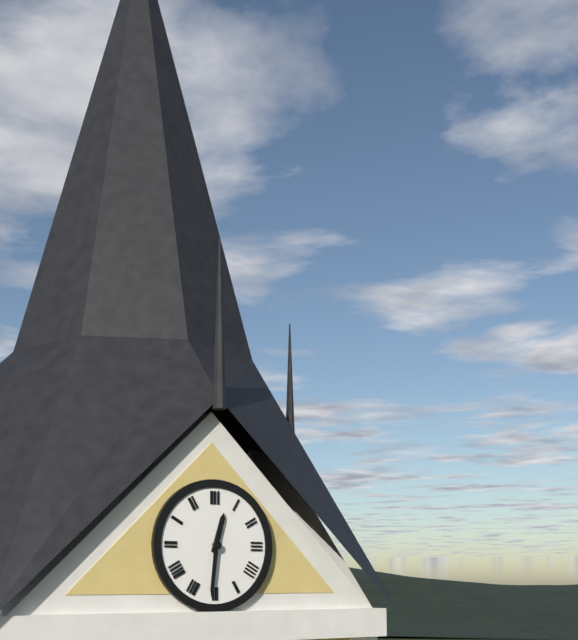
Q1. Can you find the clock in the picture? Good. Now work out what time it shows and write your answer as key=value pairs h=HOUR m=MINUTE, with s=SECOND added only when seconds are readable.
h=12 m=31
